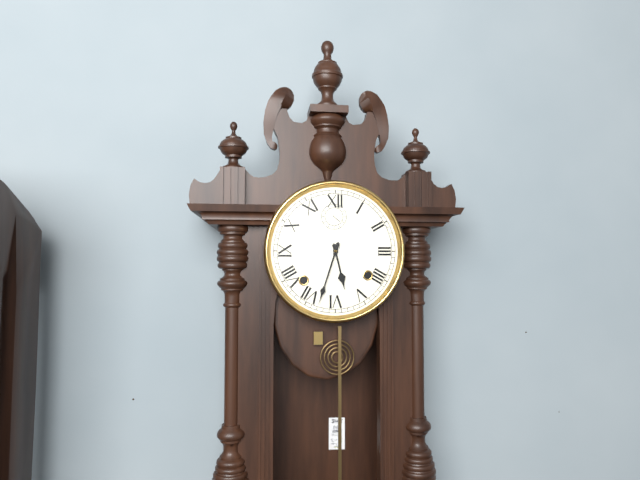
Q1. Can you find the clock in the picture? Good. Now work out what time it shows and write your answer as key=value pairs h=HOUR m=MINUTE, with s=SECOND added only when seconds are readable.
h=5 m=33
